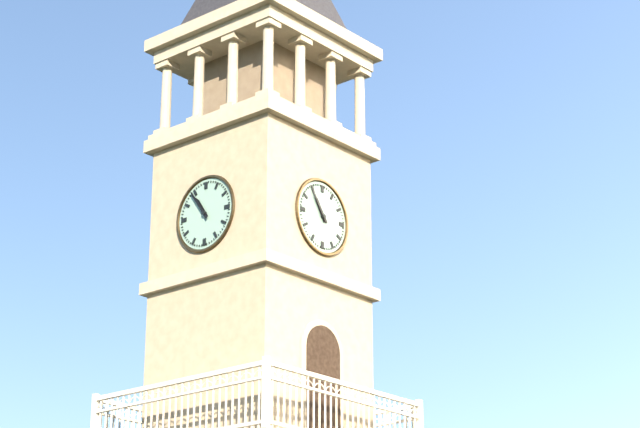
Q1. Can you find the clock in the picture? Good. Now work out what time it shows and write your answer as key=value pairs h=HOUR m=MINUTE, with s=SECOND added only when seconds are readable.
h=10 m=54
